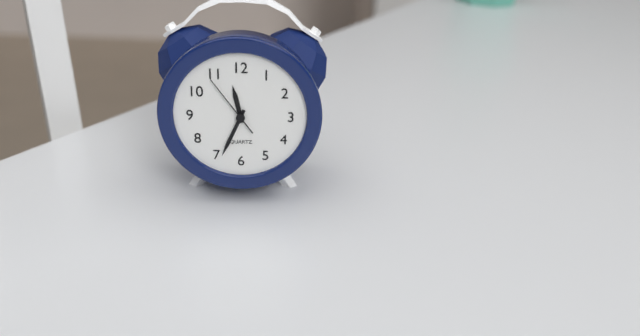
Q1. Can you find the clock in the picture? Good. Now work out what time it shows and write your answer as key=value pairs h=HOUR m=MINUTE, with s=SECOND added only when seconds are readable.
h=11 m=34 s=54
